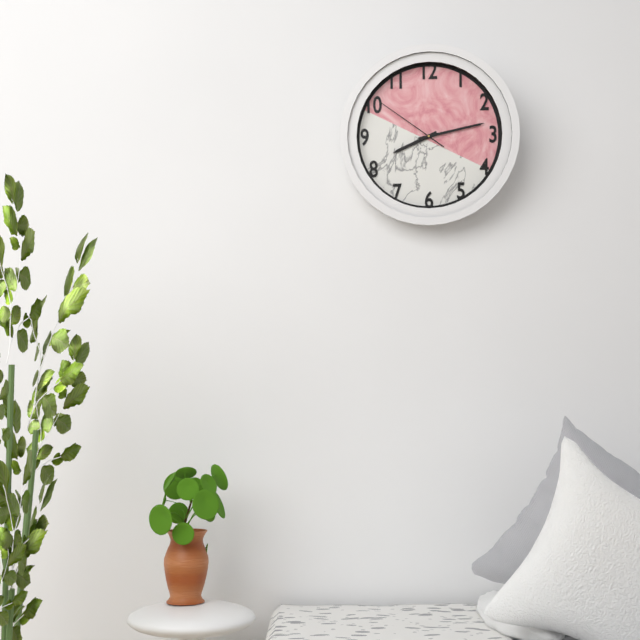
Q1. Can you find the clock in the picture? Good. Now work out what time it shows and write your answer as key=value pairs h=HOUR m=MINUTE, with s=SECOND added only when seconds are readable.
h=8 m=13 s=51
